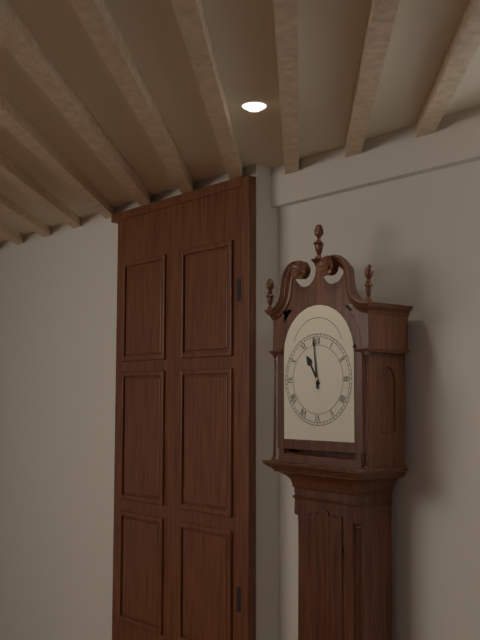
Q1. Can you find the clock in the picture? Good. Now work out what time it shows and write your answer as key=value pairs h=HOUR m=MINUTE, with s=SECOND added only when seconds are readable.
h=10 m=59
